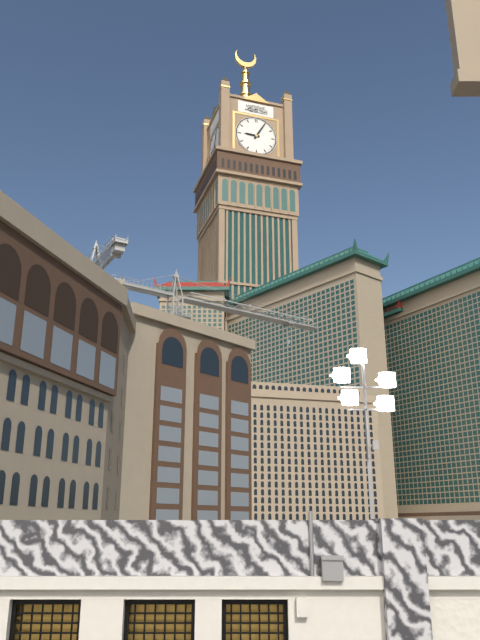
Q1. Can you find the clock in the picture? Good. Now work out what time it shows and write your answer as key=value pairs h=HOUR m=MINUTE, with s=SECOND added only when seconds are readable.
h=9 m=5
